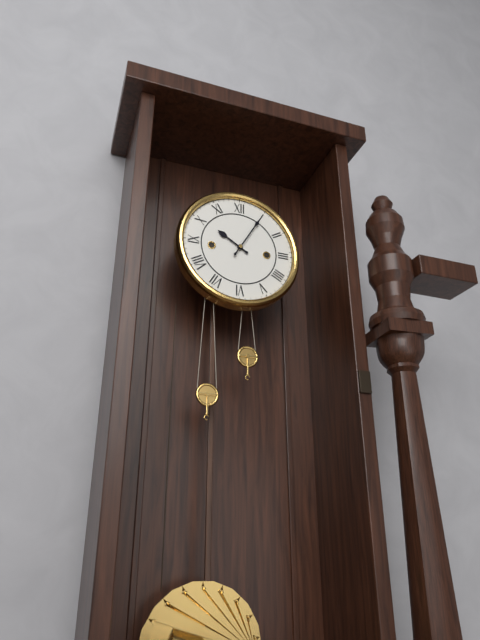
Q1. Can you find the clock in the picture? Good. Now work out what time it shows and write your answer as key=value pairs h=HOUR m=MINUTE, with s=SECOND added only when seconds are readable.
h=10 m=5
